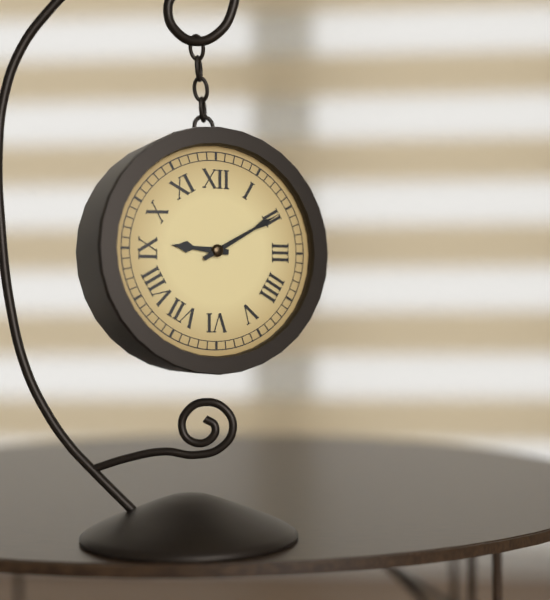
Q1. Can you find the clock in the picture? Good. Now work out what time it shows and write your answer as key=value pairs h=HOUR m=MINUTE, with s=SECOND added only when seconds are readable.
h=9 m=10
